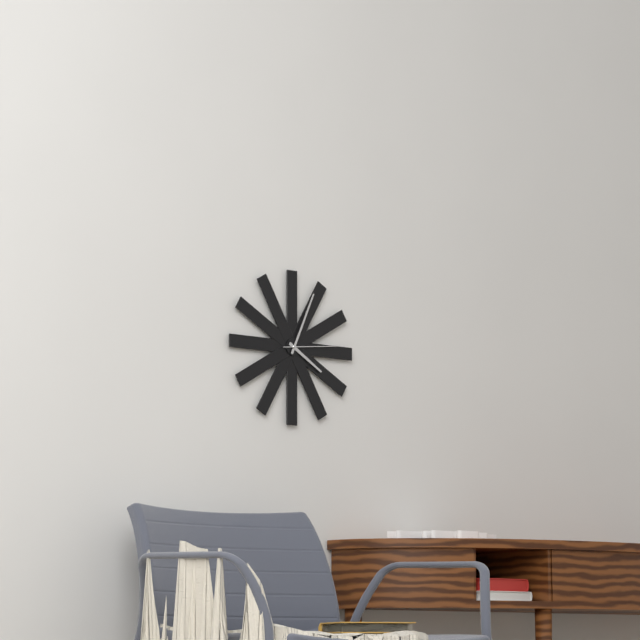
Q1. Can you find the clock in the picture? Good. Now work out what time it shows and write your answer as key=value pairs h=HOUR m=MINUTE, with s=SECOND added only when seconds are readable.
h=4 m=4 s=14
